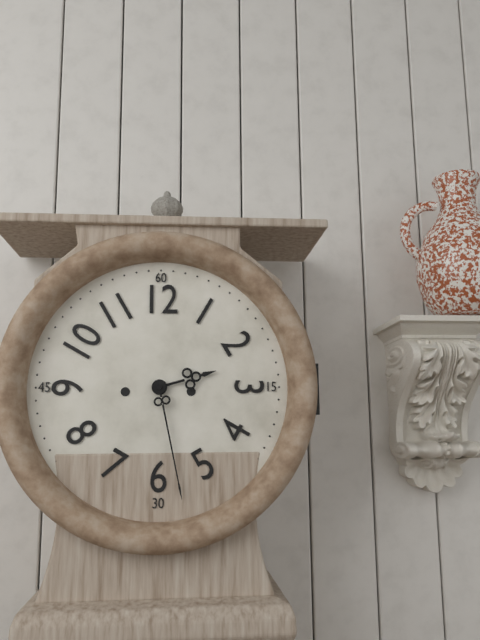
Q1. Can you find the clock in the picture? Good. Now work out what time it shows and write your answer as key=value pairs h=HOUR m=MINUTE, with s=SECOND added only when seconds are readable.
h=2 m=28
